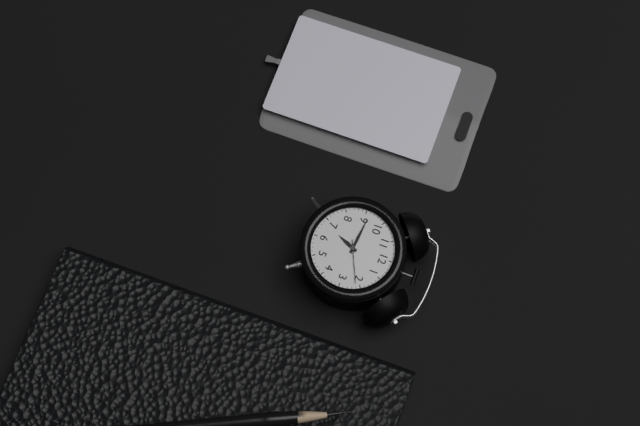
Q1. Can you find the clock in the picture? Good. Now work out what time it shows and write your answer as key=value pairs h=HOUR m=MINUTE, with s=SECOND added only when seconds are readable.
h=6 m=46
